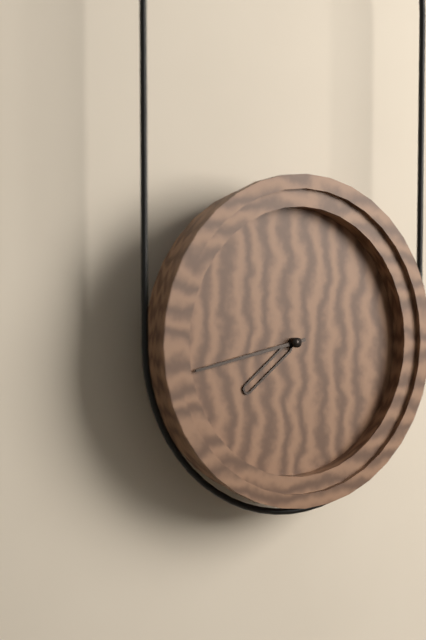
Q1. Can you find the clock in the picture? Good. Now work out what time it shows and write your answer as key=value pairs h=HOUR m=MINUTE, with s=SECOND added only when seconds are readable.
h=7 m=43
